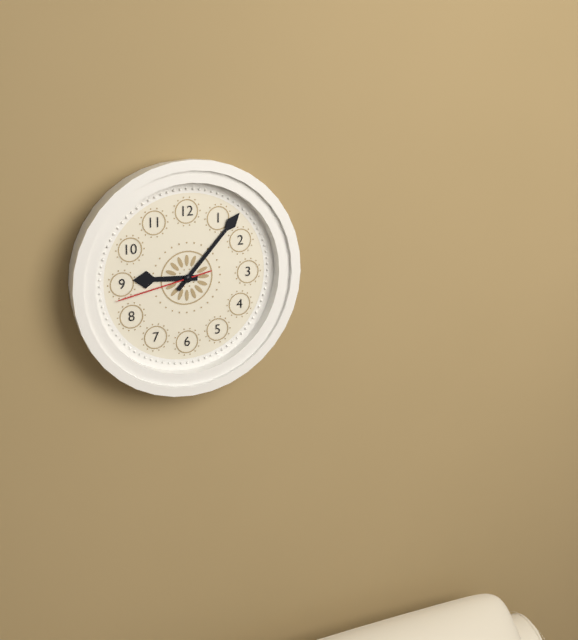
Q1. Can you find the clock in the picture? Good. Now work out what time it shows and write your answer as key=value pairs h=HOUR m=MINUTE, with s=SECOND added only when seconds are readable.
h=9 m=7 s=43
